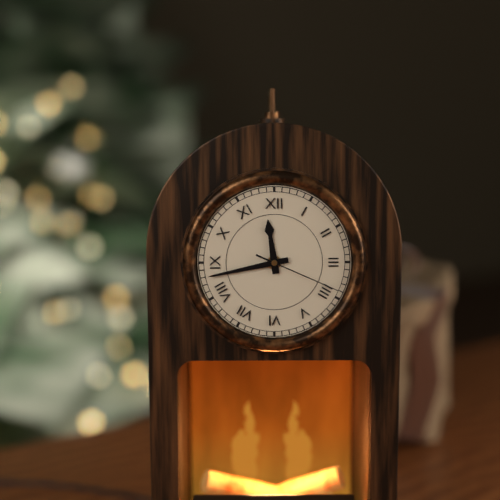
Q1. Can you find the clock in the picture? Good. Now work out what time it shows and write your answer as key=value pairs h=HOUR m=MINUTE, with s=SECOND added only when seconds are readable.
h=11 m=43 s=19
